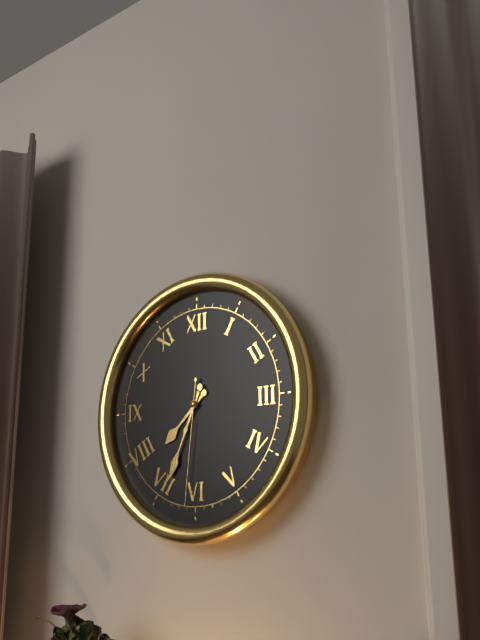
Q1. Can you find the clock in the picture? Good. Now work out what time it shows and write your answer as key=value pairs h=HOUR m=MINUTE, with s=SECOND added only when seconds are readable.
h=7 m=34 s=31
